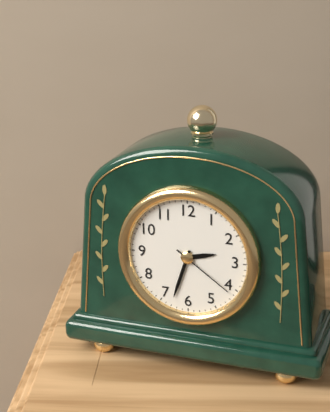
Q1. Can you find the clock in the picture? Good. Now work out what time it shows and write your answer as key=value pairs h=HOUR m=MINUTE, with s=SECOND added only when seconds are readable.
h=2 m=33 s=21
